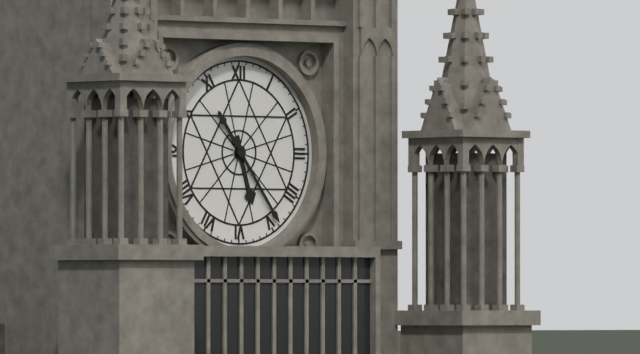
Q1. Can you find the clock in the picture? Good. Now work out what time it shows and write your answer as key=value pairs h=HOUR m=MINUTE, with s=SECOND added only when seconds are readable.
h=5 m=24
